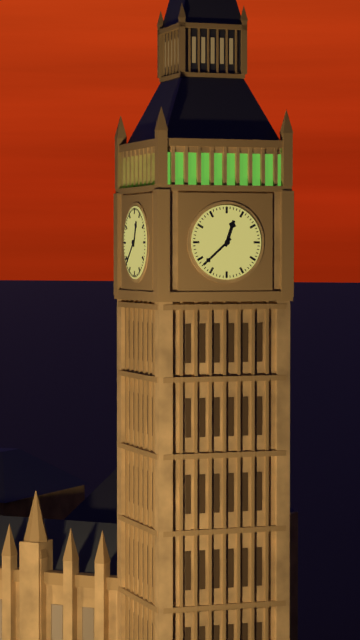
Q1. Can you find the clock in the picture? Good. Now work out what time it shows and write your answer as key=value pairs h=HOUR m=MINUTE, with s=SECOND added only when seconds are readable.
h=12 m=38
